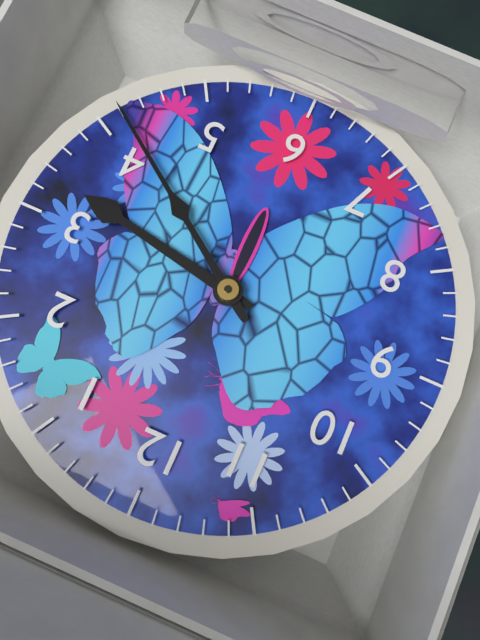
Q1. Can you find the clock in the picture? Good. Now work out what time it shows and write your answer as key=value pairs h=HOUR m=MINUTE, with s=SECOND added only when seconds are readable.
h=3 m=21
